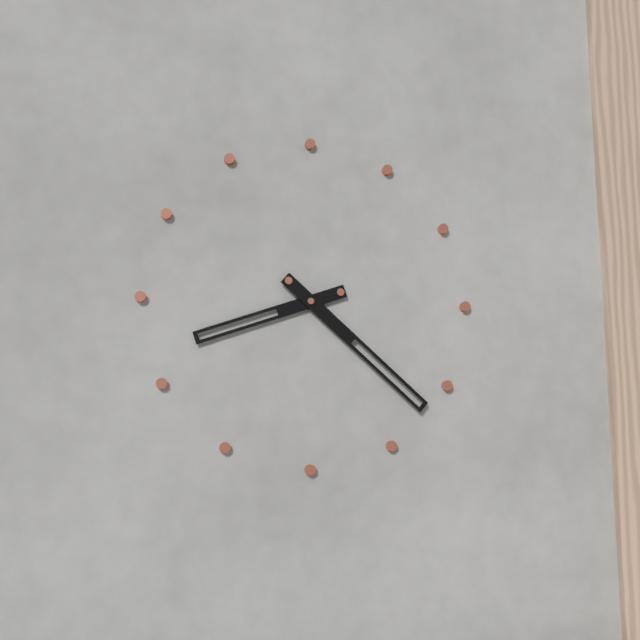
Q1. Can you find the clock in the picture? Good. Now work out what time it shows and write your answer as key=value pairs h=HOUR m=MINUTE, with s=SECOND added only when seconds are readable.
h=8 m=22
